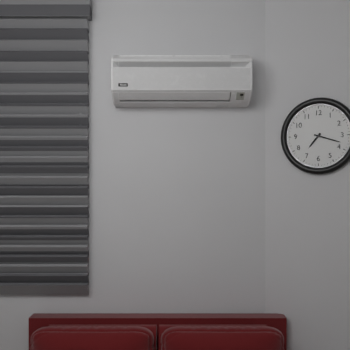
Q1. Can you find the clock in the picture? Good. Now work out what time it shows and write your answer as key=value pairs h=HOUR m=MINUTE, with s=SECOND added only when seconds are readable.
h=7 m=18
